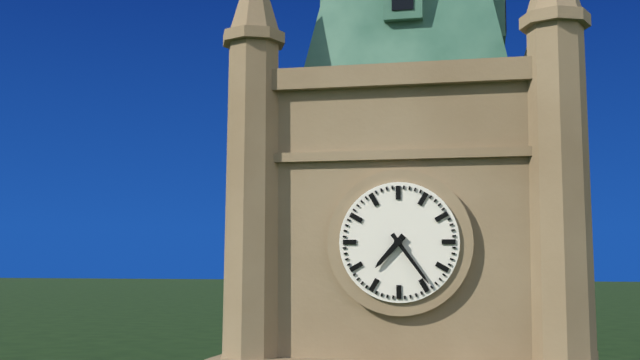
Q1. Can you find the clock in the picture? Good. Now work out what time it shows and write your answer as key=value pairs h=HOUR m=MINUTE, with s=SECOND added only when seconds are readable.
h=7 m=24
